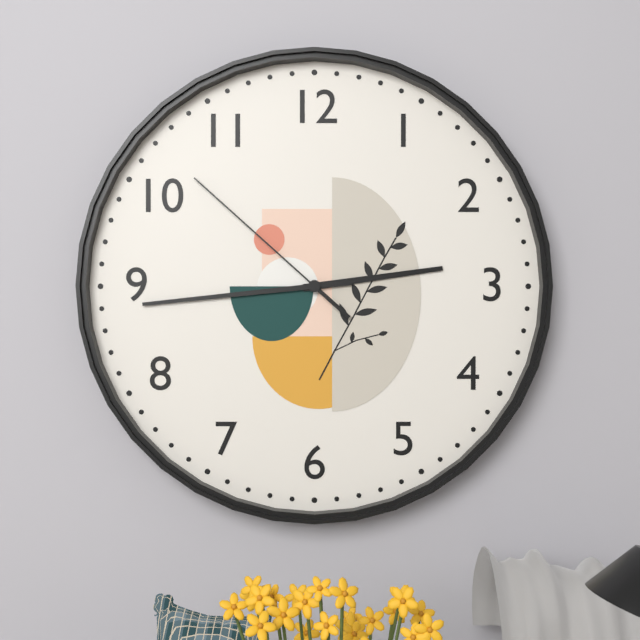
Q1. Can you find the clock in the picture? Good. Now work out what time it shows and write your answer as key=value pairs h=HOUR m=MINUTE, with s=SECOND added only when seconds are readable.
h=2 m=44 s=52
